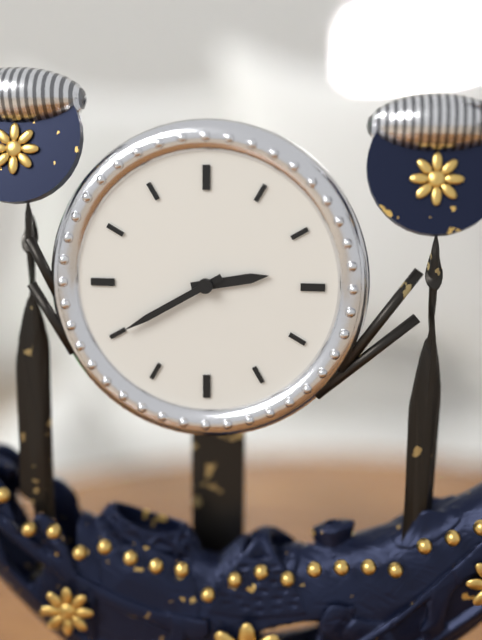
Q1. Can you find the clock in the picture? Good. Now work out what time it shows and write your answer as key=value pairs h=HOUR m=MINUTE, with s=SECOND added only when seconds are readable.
h=2 m=40
